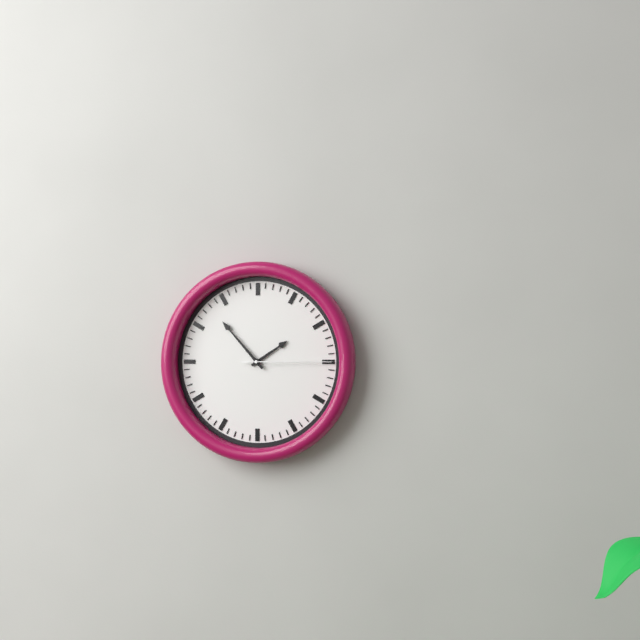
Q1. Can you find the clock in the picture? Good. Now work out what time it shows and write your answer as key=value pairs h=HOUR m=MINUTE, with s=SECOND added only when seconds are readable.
h=1 m=53 s=15
